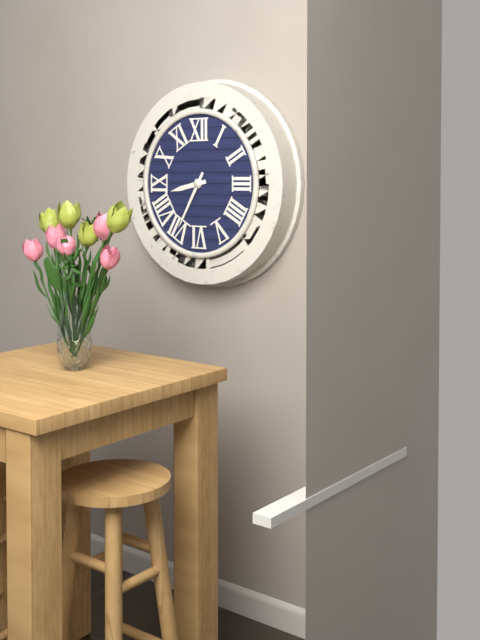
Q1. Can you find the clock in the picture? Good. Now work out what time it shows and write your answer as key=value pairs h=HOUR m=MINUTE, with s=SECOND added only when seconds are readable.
h=8 m=35
